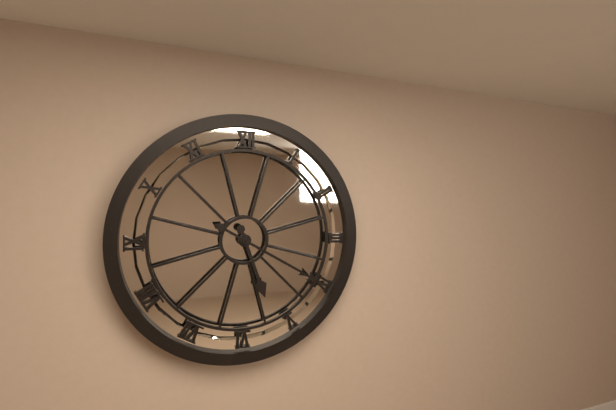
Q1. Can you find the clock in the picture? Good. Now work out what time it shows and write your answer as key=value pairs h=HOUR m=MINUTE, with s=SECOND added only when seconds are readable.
h=5 m=20
